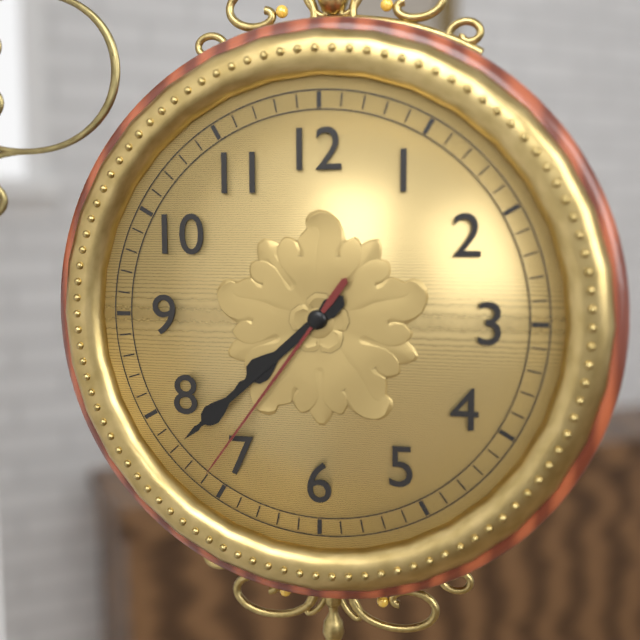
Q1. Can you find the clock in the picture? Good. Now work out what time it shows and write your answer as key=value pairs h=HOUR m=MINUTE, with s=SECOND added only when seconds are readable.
h=7 m=38 s=36
